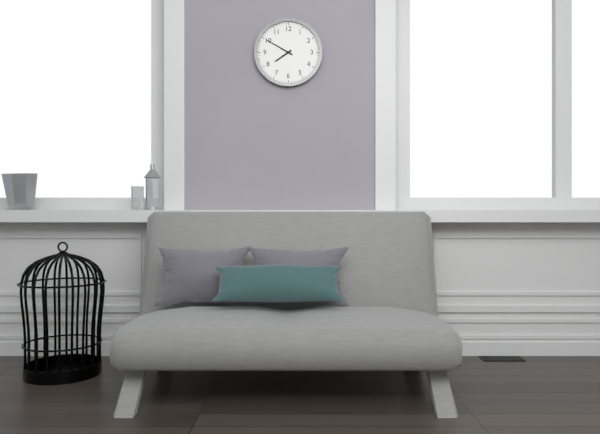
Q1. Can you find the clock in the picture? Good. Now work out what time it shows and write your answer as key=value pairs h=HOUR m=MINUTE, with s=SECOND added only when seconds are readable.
h=7 m=50
